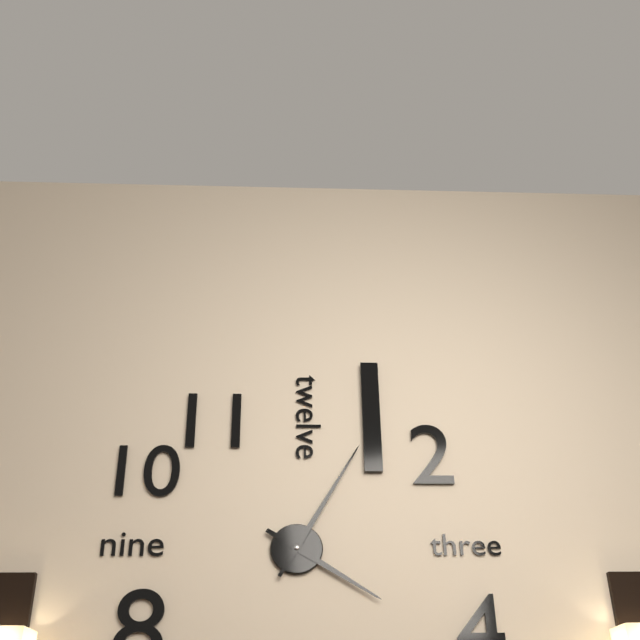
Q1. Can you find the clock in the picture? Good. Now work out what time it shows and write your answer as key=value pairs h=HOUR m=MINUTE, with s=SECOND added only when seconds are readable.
h=4 m=5
